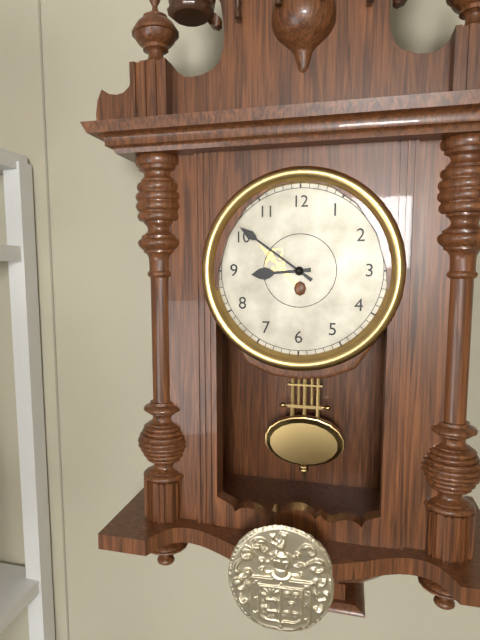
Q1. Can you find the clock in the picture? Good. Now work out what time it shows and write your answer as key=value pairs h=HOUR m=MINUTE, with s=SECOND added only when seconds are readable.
h=8 m=51
